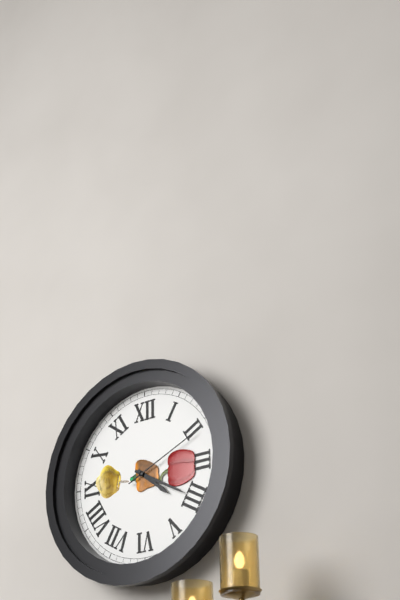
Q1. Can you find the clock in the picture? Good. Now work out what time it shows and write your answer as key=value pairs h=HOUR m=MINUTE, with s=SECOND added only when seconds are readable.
h=4 m=20 s=11
